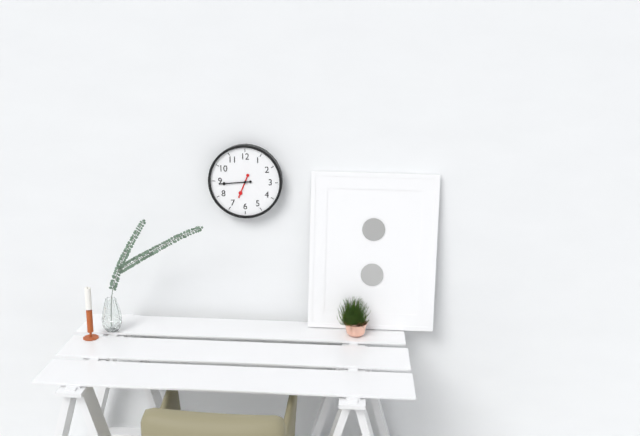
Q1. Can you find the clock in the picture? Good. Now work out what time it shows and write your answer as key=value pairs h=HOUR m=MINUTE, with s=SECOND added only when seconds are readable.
h=6 m=44
